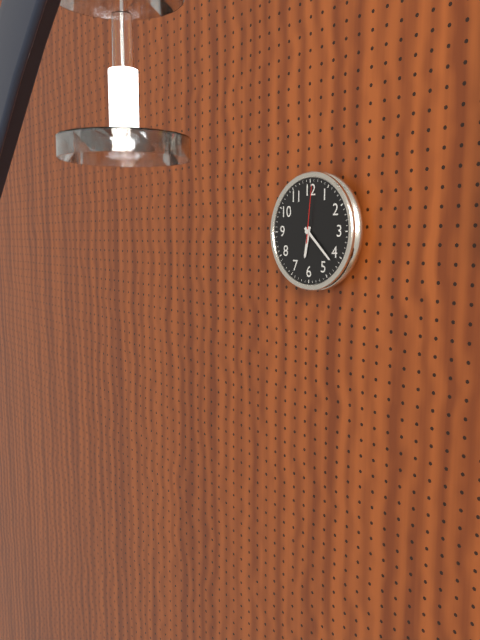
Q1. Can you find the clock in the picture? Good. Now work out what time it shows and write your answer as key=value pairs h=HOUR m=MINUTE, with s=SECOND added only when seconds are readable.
h=6 m=22 s=1
